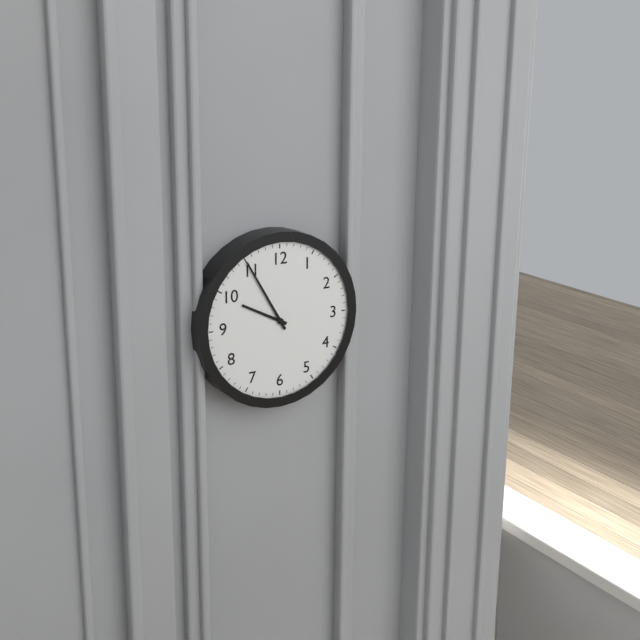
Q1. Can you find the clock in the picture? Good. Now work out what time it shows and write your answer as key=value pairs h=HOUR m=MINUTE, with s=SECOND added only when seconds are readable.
h=9 m=55
